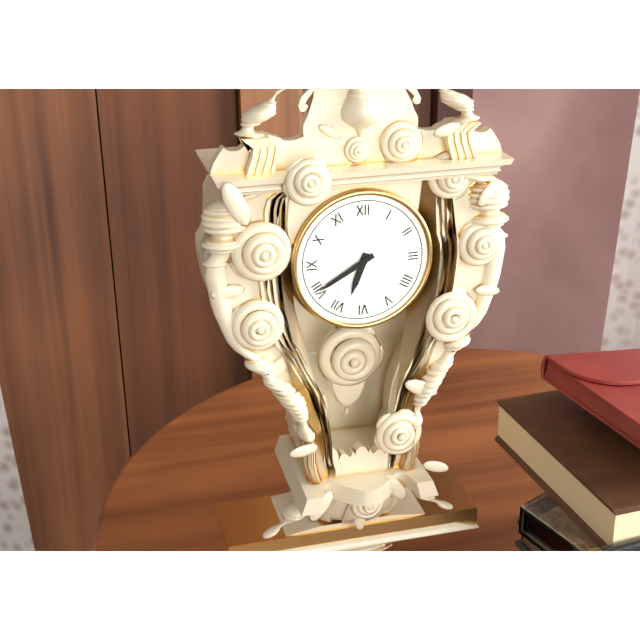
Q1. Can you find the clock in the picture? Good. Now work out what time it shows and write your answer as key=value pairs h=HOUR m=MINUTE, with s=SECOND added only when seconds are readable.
h=6 m=40
